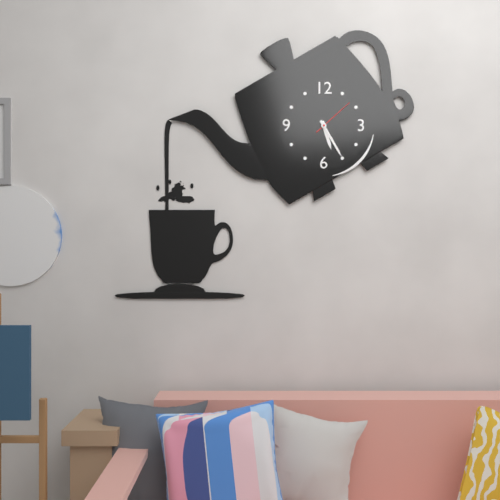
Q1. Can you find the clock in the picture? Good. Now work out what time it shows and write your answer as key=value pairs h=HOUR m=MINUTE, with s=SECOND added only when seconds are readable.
h=5 m=25
